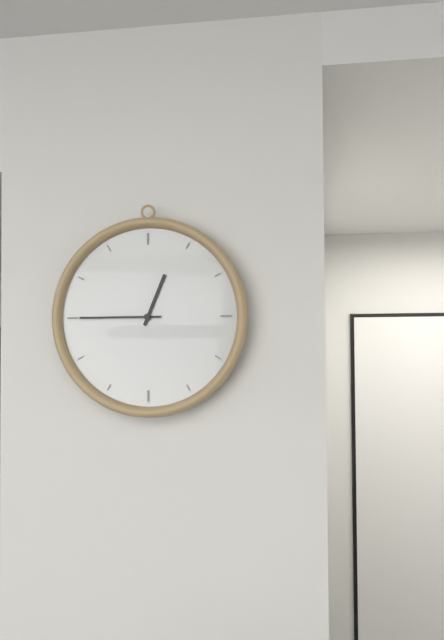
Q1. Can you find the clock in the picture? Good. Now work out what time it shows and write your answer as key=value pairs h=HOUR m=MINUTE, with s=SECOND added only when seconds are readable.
h=12 m=45
